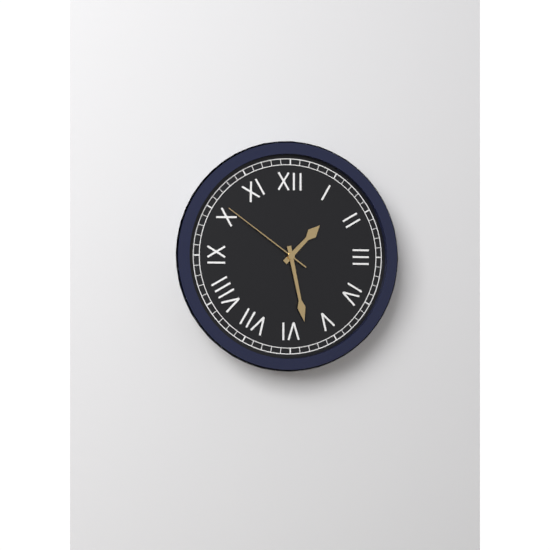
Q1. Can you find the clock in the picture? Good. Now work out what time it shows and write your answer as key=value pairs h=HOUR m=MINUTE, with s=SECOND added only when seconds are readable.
h=1 m=28 s=51
